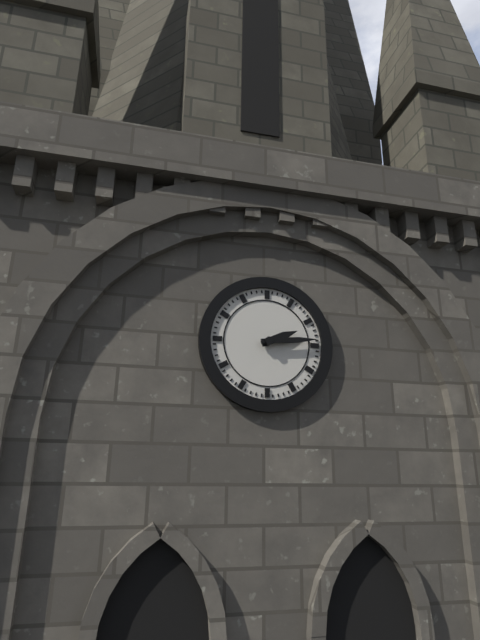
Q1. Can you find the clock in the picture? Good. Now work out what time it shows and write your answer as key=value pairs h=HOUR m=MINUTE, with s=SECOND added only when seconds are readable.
h=2 m=14
